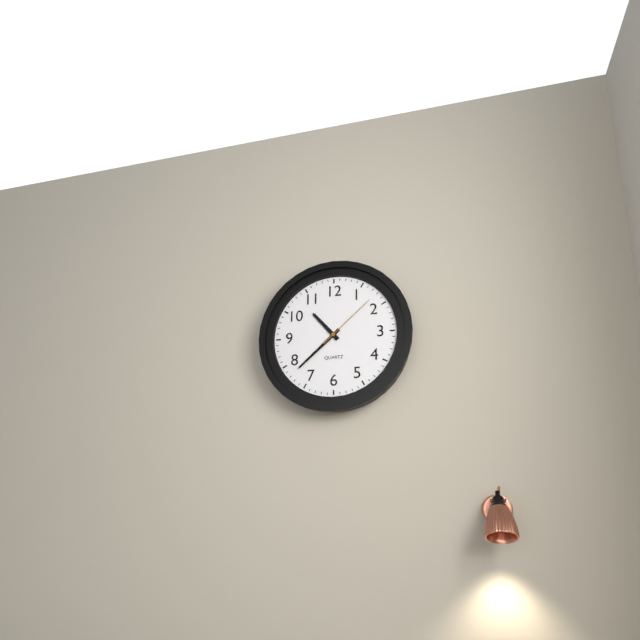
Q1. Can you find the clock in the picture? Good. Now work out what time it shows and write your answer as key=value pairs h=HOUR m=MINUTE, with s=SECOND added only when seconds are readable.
h=10 m=38 s=8
